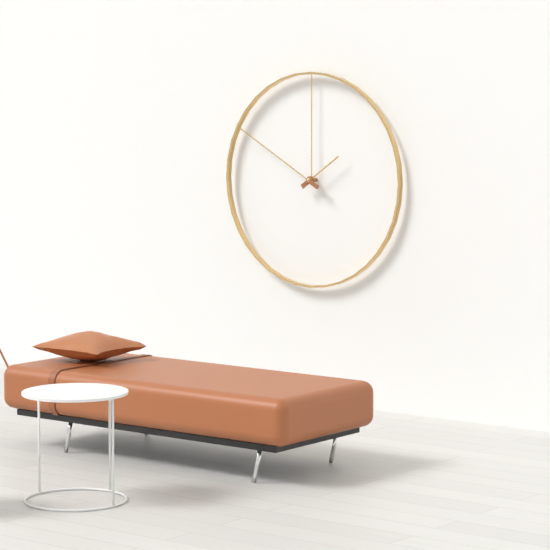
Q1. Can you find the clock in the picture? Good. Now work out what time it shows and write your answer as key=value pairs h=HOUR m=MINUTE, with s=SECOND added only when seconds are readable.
h=1 m=50
